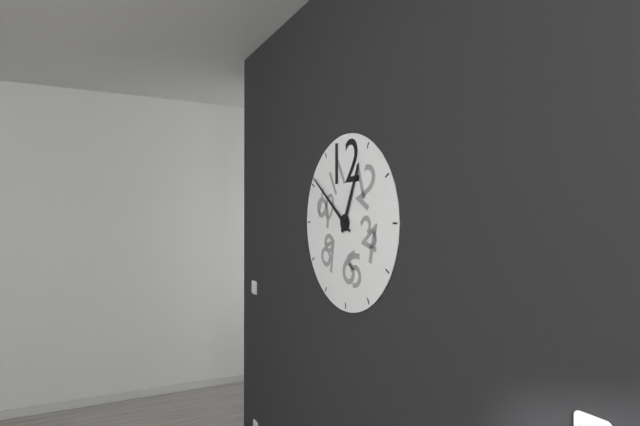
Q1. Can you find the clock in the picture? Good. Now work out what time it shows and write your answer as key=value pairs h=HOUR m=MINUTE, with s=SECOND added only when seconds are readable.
h=12 m=51
